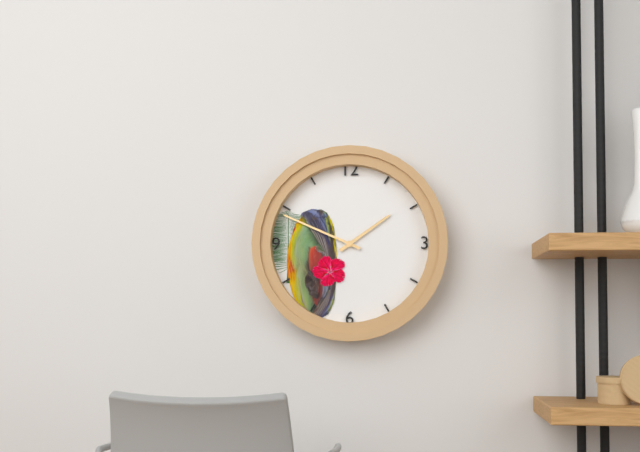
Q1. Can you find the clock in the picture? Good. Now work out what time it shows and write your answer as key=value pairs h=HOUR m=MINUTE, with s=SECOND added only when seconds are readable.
h=1 m=49
